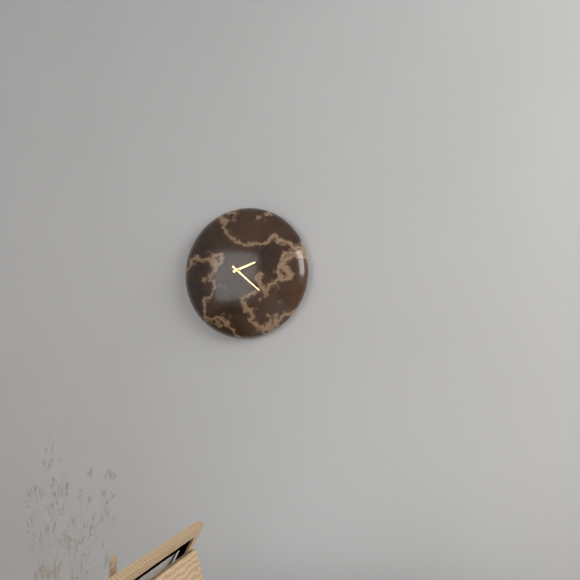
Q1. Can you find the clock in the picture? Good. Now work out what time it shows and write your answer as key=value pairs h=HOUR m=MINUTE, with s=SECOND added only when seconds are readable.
h=2 m=22
